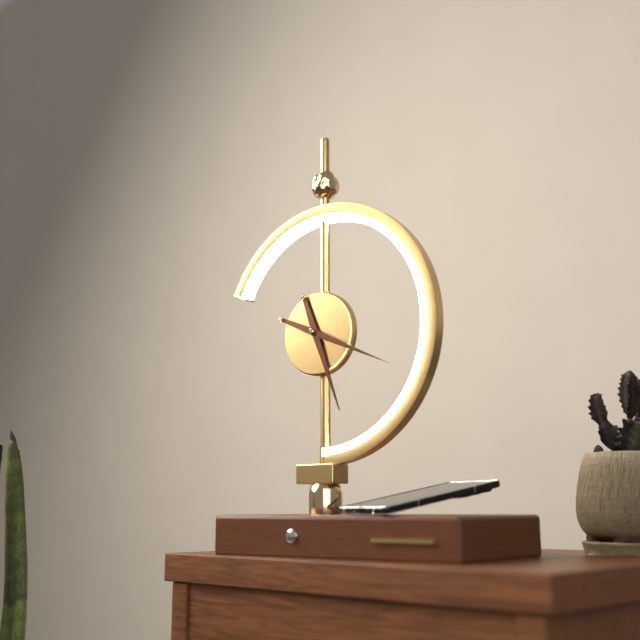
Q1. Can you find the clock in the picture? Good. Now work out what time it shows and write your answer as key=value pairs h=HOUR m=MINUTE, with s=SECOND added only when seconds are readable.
h=5 m=19
